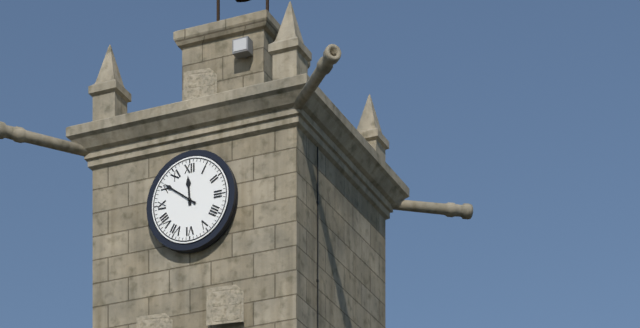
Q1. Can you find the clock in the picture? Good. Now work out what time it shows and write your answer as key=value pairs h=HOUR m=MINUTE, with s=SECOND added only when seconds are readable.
h=11 m=51
